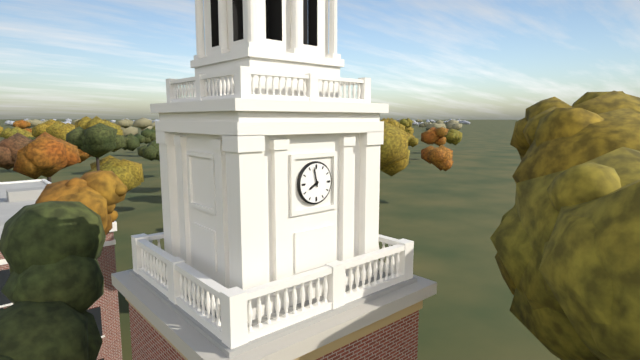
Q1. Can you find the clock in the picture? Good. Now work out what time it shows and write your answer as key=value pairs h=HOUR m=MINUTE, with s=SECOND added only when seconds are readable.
h=7 m=58
